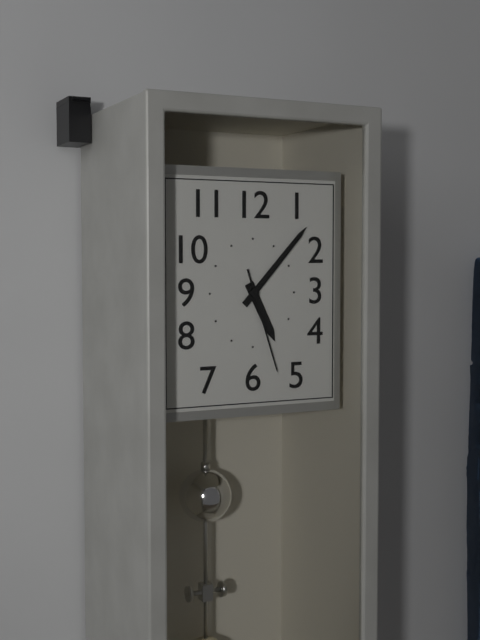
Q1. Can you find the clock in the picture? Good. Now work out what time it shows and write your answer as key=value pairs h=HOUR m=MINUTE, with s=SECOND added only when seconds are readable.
h=5 m=7 s=27
